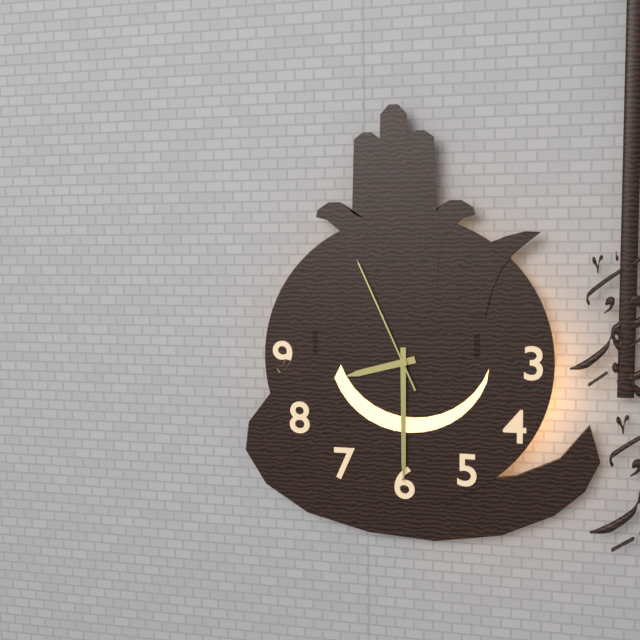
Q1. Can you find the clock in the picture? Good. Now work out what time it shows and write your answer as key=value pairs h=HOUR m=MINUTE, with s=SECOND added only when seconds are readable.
h=8 m=30 s=56
